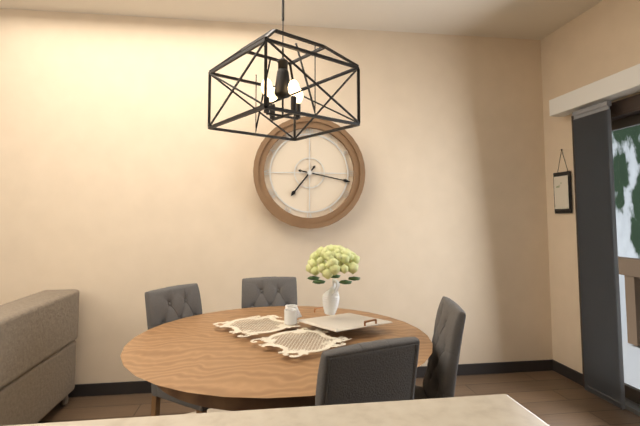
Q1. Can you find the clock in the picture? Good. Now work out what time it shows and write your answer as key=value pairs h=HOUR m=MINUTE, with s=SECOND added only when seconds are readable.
h=7 m=17
